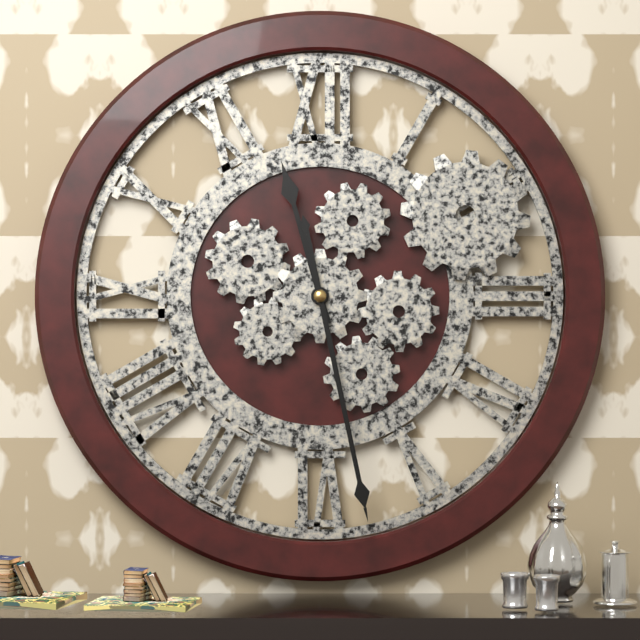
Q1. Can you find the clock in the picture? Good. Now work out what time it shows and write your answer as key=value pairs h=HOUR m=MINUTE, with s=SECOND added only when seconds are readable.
h=11 m=28
